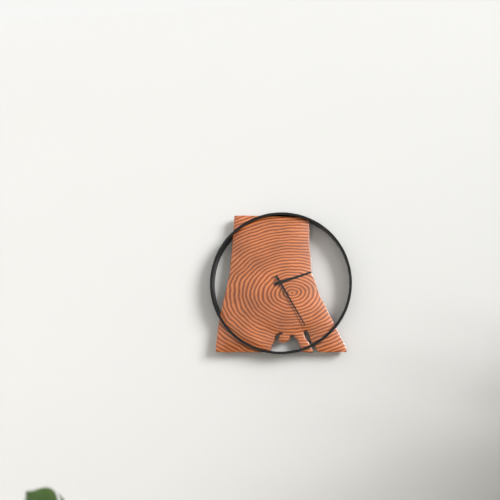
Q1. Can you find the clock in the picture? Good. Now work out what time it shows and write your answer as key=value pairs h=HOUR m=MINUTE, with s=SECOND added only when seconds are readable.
h=2 m=25
